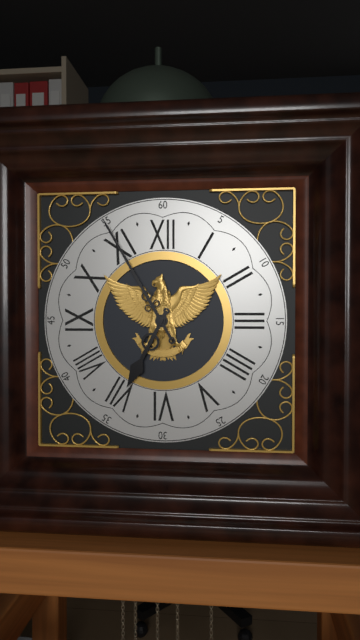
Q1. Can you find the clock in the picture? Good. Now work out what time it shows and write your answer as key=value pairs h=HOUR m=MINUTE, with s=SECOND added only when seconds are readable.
h=6 m=55
